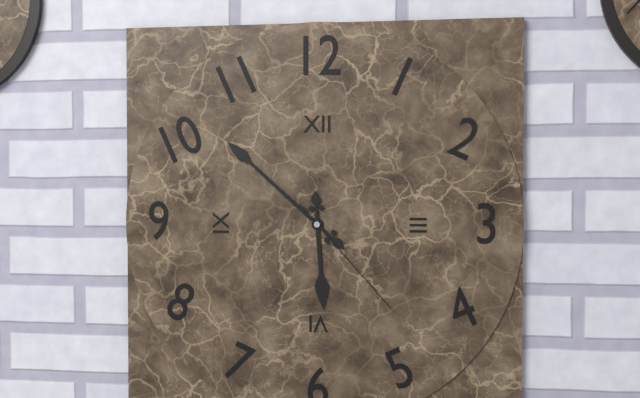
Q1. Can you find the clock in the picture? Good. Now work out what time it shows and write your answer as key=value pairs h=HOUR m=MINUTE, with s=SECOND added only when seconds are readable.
h=5 m=52 s=23
